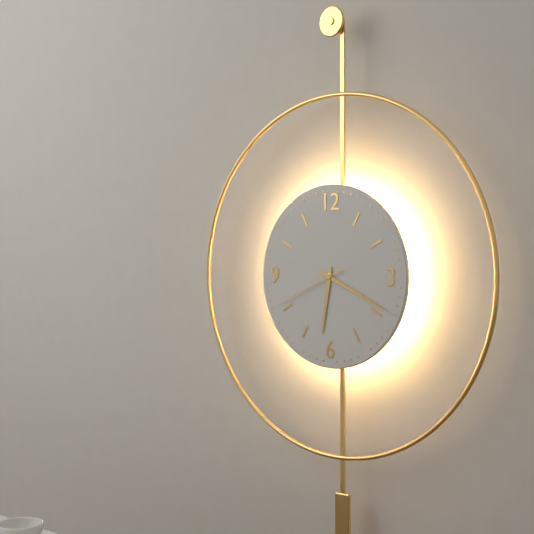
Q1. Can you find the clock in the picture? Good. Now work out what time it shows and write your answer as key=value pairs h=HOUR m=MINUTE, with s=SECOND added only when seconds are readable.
h=6 m=19 s=41
